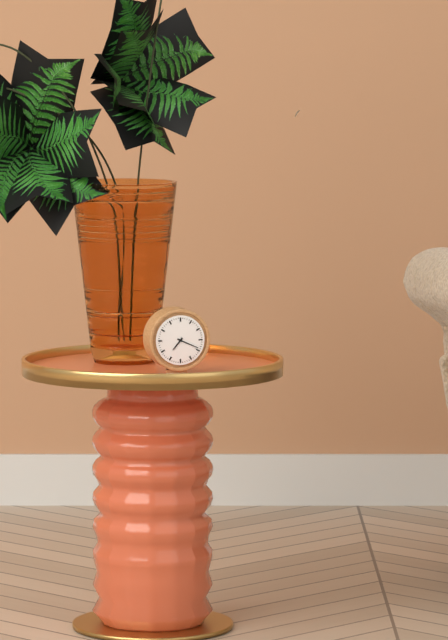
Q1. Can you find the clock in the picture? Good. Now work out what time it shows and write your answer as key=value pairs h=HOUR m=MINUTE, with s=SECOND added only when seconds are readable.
h=7 m=19
